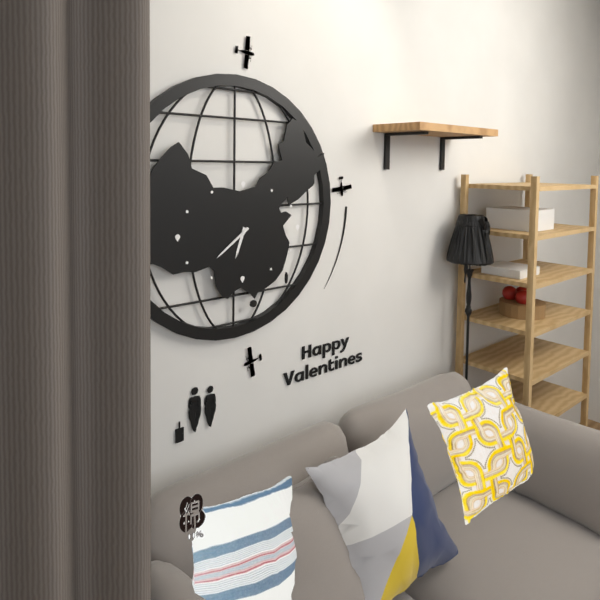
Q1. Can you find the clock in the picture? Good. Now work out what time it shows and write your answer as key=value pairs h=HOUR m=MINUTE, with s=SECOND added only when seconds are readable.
h=6 m=39
